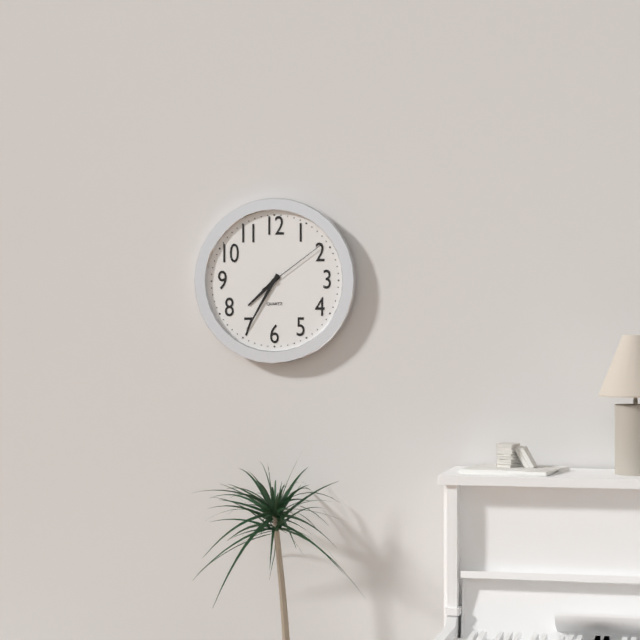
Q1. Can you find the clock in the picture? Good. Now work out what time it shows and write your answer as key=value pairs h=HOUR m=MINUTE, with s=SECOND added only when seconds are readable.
h=7 m=35 s=9
